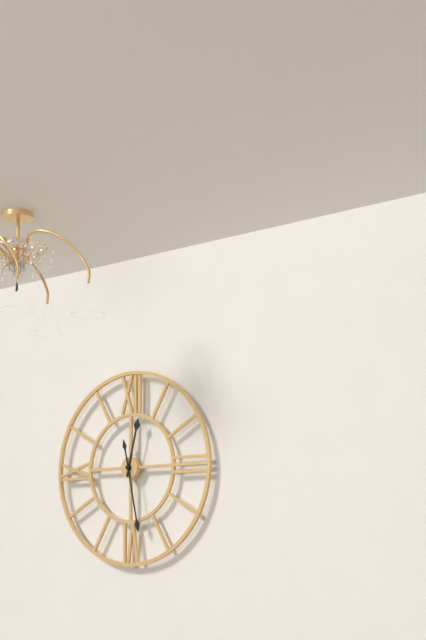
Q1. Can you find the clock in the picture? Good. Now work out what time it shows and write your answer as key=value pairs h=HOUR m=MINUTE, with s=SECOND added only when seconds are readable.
h=12 m=28
